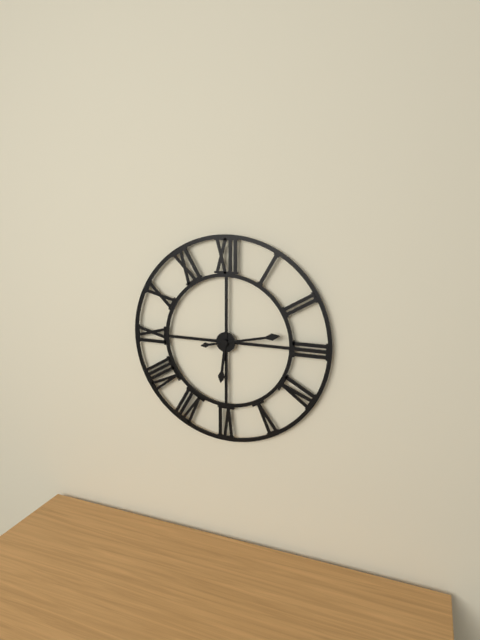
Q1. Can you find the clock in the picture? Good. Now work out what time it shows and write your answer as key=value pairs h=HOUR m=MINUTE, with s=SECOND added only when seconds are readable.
h=6 m=13
